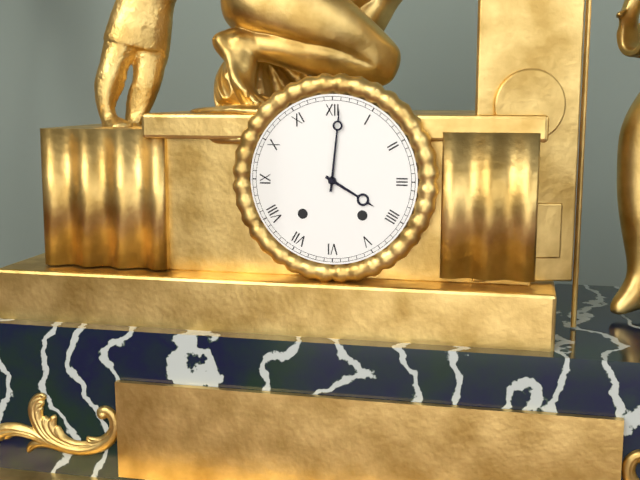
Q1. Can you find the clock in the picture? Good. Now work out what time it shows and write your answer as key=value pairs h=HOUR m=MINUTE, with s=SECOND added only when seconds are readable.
h=4 m=1
